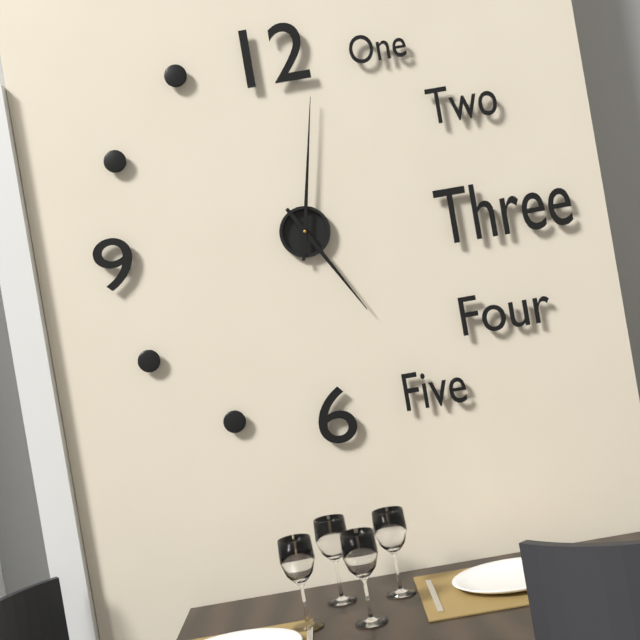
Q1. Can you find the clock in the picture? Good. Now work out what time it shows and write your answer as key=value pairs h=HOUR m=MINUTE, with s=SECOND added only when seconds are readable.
h=5 m=2
